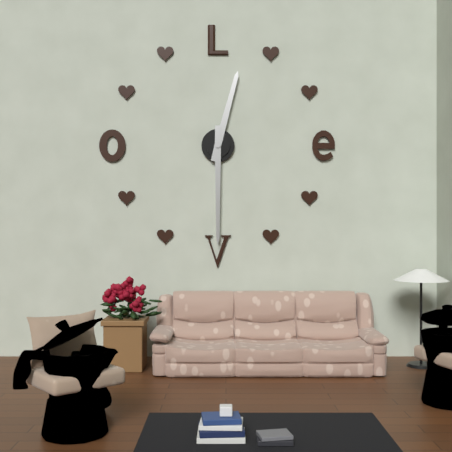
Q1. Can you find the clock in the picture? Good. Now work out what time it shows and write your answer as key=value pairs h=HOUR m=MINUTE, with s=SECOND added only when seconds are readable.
h=12 m=30
